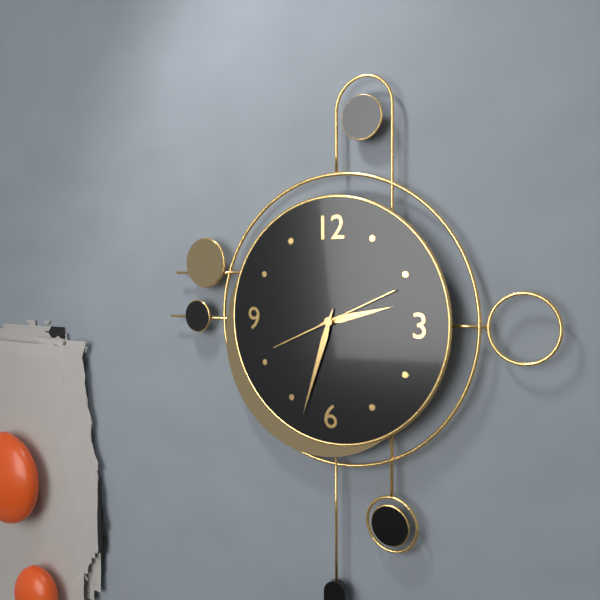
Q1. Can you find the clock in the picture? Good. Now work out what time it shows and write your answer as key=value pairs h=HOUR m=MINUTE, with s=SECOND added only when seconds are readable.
h=2 m=33 s=11
